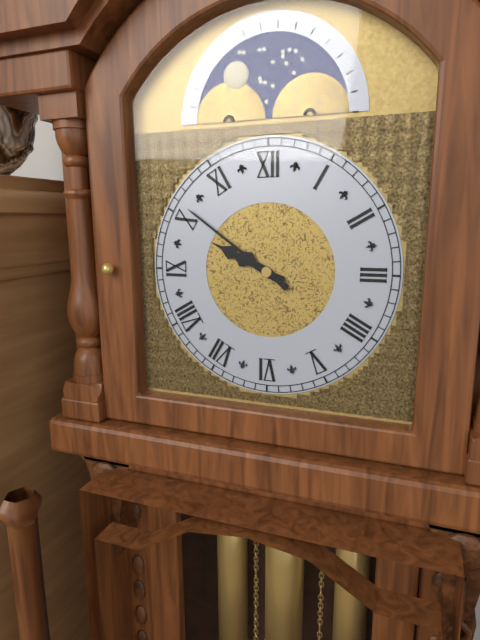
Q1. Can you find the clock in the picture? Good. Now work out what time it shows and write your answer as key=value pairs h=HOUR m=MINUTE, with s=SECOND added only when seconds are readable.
h=9 m=51
